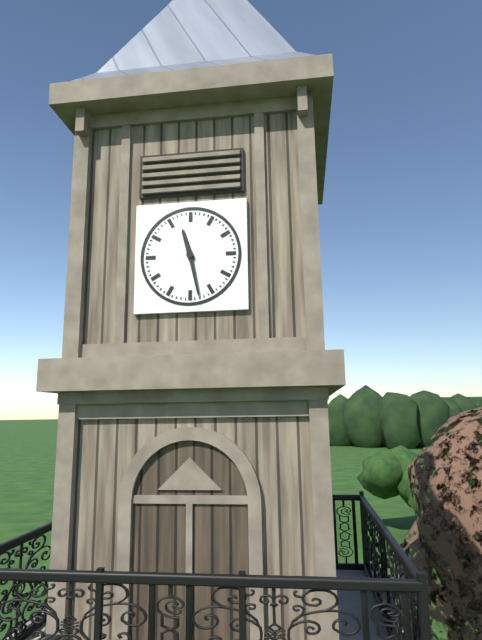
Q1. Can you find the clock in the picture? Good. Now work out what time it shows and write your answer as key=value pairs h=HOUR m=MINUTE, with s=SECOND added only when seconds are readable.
h=11 m=28
